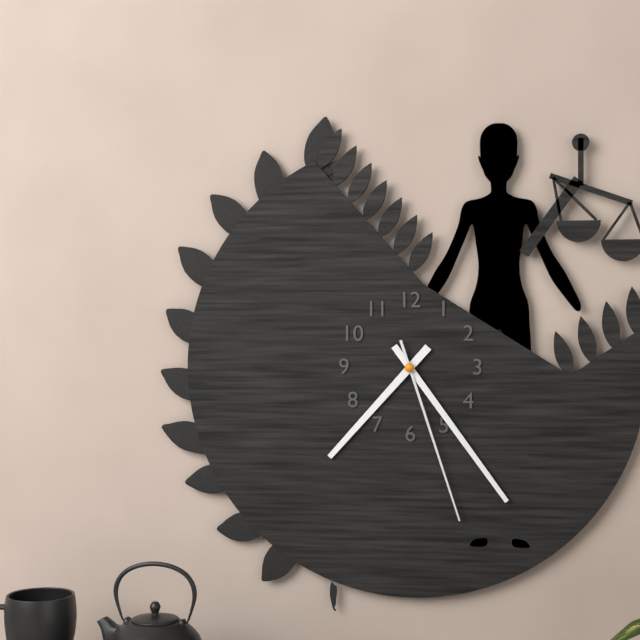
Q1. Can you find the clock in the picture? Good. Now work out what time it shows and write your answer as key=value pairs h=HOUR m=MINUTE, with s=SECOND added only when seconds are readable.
h=7 m=24 s=27
